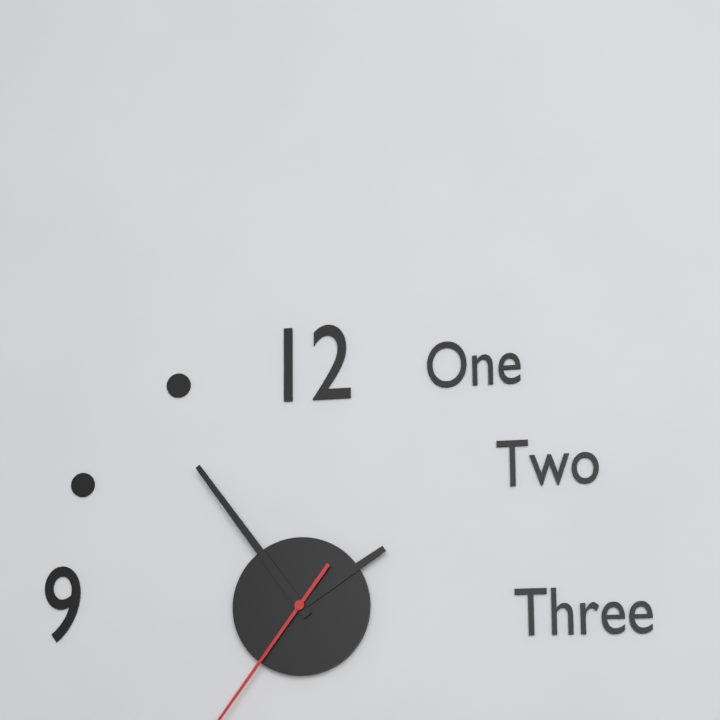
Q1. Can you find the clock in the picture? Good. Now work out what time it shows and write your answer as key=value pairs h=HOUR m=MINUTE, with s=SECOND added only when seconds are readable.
h=1 m=54
